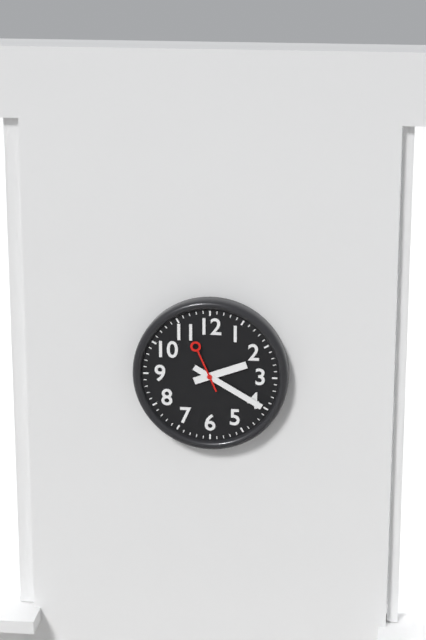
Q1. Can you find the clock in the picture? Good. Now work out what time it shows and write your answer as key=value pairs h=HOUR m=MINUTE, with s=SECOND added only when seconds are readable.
h=2 m=20
